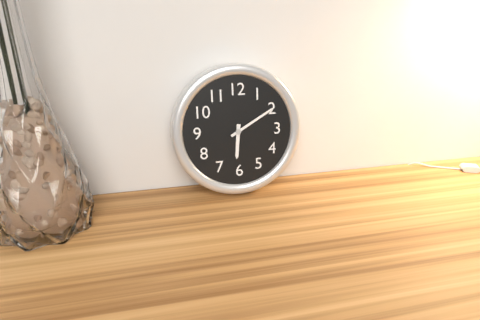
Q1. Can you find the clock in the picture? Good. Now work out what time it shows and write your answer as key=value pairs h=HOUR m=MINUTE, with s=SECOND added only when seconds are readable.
h=6 m=10
